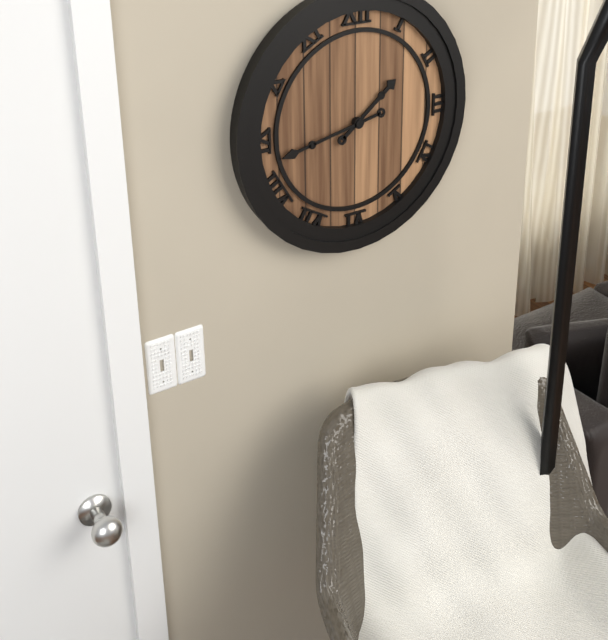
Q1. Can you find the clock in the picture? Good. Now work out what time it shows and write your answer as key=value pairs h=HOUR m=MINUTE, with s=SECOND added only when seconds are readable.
h=1 m=43
